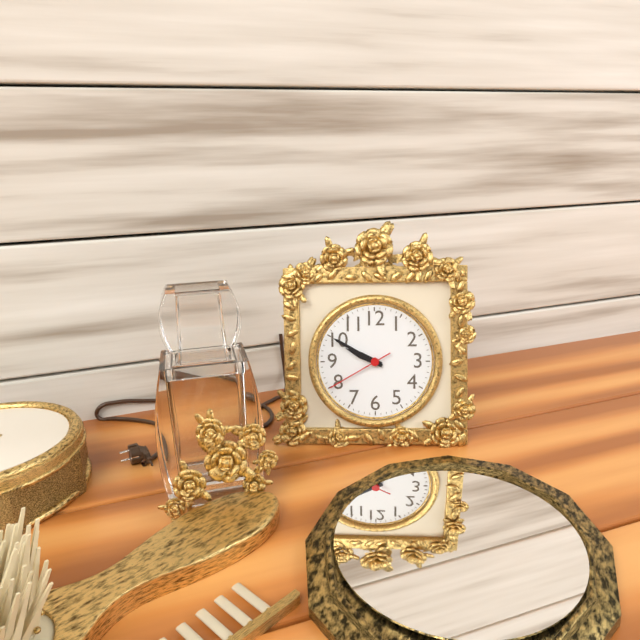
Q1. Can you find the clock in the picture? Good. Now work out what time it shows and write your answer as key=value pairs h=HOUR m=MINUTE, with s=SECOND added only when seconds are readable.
h=9 m=50 s=40
